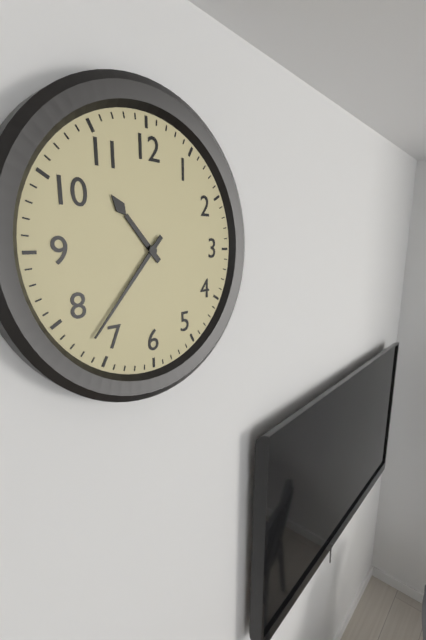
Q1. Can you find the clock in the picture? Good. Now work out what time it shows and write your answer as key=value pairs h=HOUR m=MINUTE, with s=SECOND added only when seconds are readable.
h=10 m=37
